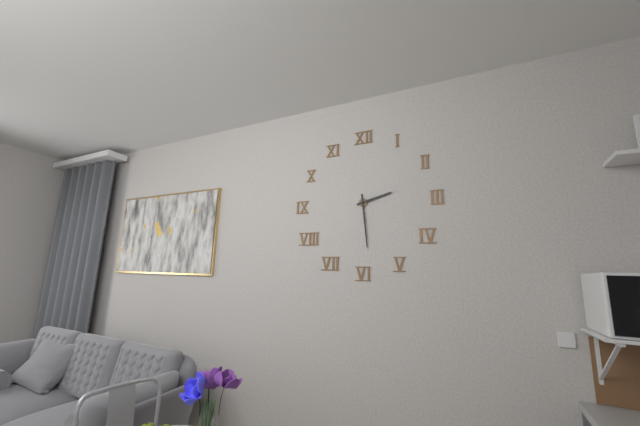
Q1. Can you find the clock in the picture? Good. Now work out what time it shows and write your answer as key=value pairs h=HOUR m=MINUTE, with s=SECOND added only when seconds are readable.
h=2 m=29
